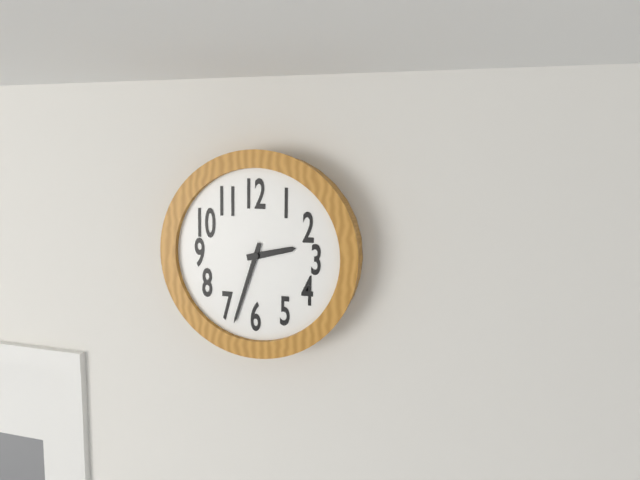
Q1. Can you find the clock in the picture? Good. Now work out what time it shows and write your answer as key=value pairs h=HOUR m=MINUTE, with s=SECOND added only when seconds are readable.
h=2 m=33
